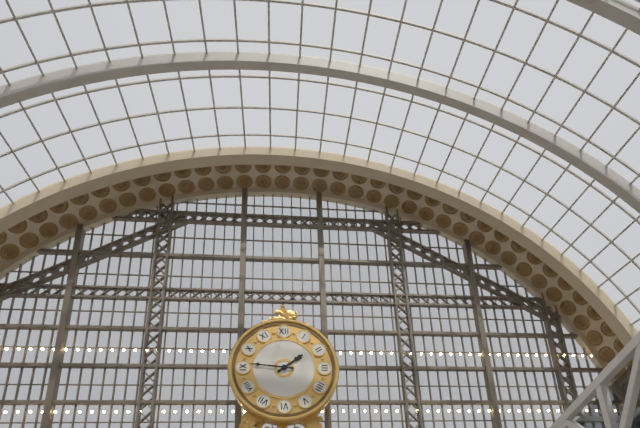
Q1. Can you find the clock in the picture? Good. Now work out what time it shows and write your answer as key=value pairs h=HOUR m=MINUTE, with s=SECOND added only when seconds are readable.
h=1 m=46
